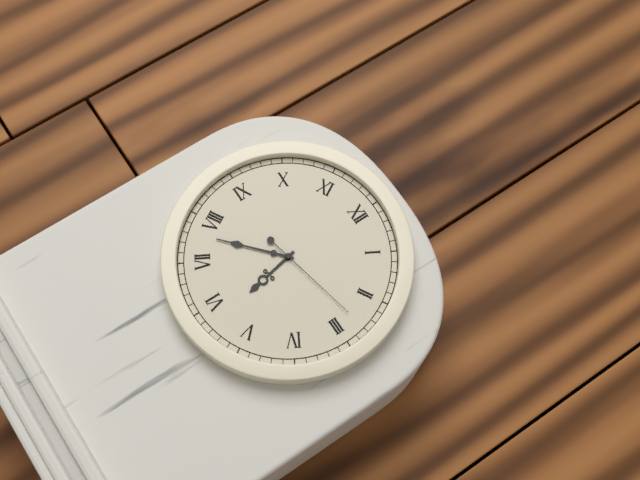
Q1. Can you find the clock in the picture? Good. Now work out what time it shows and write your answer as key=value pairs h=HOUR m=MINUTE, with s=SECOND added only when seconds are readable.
h=5 m=38 s=13
